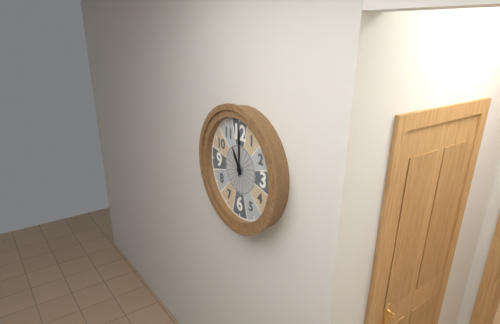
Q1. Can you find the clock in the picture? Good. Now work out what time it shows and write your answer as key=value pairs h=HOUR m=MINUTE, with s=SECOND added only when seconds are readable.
h=11 m=0
